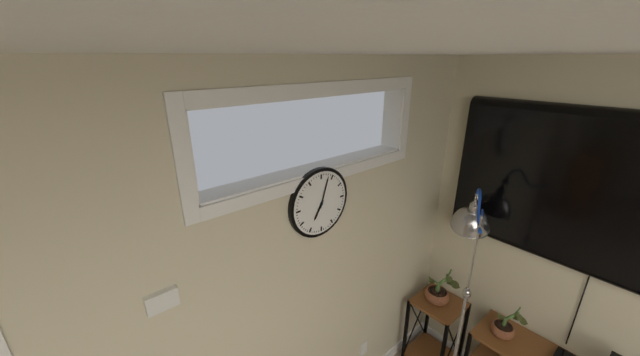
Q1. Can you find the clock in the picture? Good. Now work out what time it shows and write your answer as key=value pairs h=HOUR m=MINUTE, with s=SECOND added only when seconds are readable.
h=7 m=3
